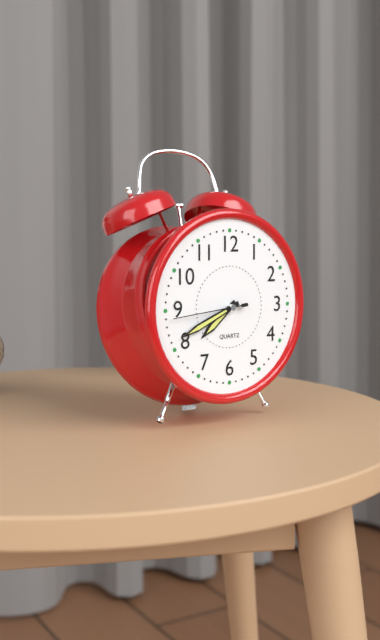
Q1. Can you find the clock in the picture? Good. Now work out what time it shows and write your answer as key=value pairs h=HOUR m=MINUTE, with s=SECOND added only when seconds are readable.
h=7 m=41 s=44
